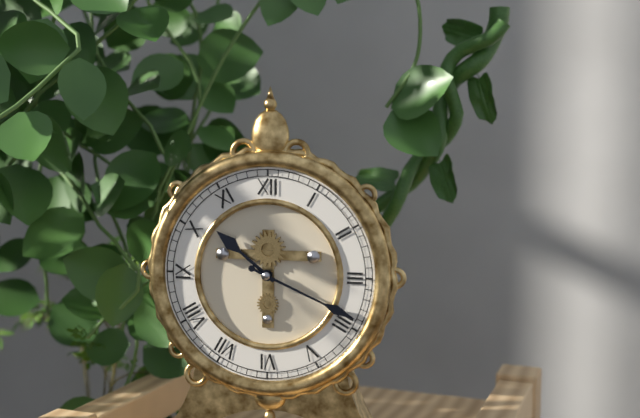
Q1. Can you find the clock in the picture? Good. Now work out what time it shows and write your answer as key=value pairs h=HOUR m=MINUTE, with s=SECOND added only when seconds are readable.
h=10 m=19
